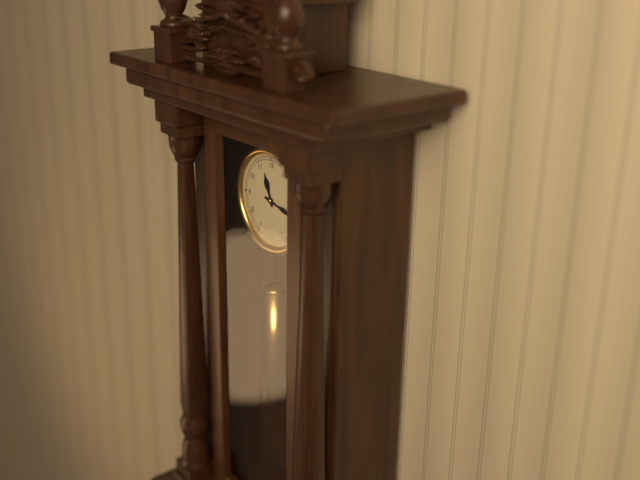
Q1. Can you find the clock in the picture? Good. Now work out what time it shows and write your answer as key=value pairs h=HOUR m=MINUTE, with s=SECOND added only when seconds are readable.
h=11 m=17
